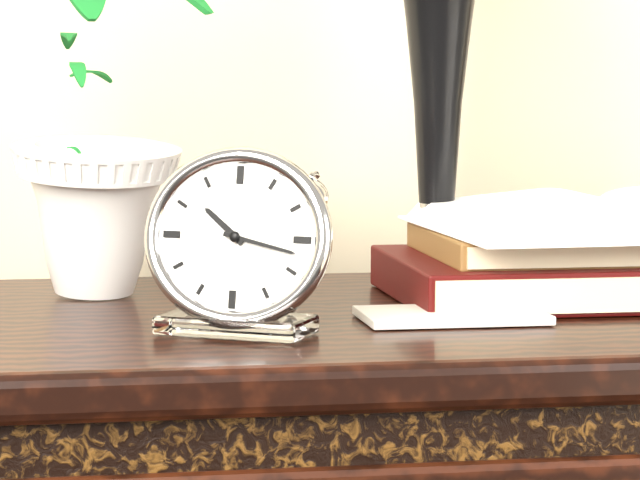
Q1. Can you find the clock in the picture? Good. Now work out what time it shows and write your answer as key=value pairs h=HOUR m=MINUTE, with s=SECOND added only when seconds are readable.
h=10 m=17
